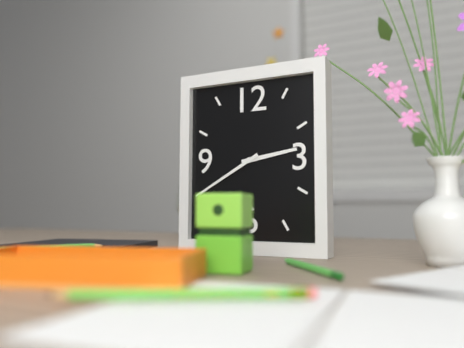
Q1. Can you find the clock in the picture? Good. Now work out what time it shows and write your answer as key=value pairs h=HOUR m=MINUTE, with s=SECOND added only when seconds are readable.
h=2 m=40
